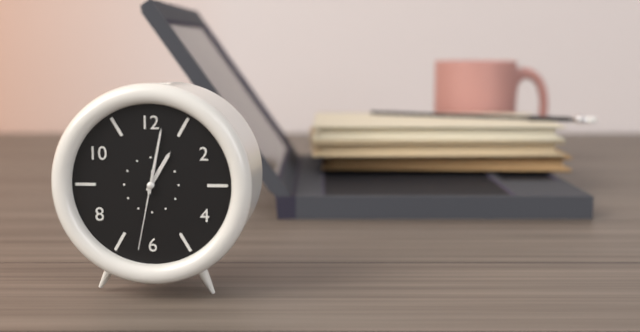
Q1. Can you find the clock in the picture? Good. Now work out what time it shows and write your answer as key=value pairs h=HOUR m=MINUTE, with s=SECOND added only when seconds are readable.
h=1 m=2 s=32
